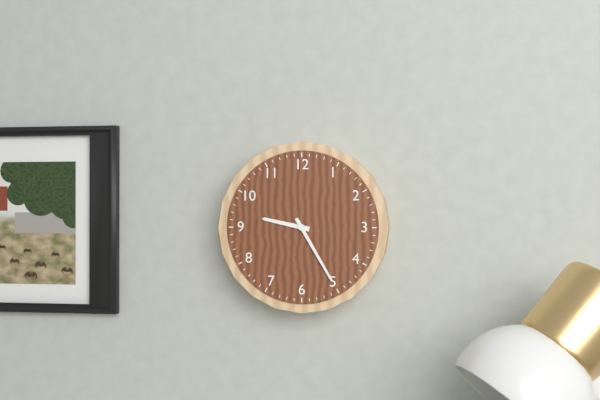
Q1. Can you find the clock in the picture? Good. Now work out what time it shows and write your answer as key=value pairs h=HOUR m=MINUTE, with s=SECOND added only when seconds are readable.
h=9 m=25
